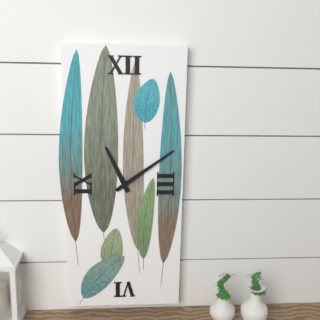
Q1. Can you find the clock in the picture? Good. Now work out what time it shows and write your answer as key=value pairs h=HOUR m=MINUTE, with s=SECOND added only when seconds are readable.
h=11 m=9
